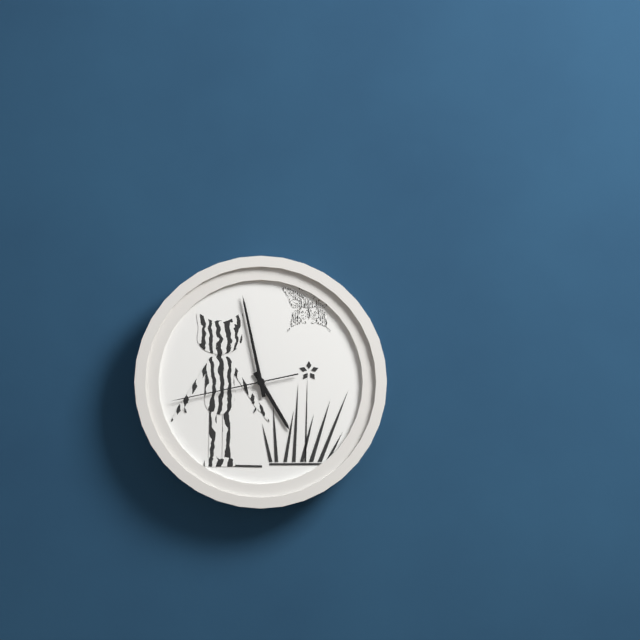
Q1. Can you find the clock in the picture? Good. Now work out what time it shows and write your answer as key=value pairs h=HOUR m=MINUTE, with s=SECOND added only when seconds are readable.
h=4 m=58 s=43
